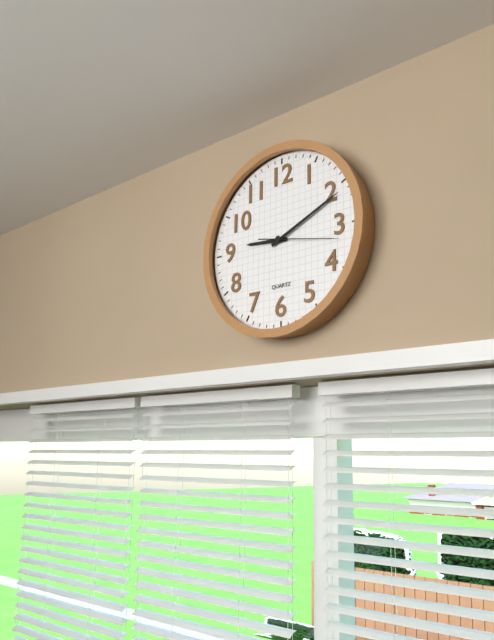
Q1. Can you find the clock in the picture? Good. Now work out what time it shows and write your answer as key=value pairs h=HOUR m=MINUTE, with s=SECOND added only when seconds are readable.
h=9 m=11 s=17
